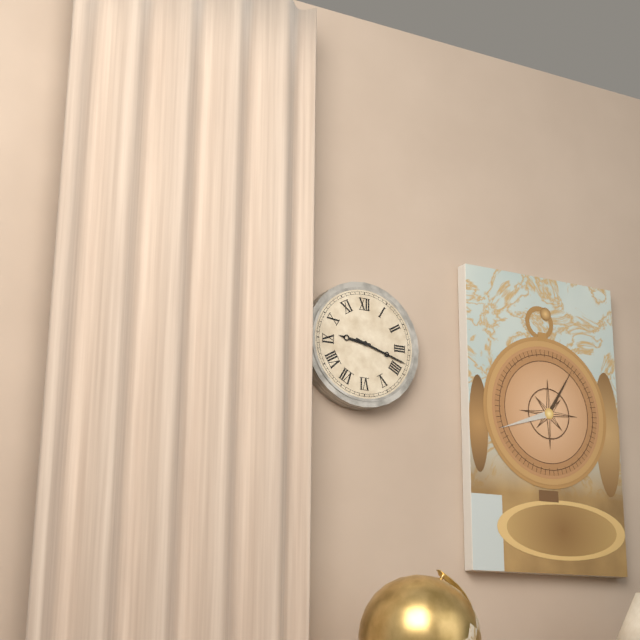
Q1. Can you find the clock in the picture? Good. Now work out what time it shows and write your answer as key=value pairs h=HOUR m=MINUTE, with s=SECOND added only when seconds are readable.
h=9 m=18
